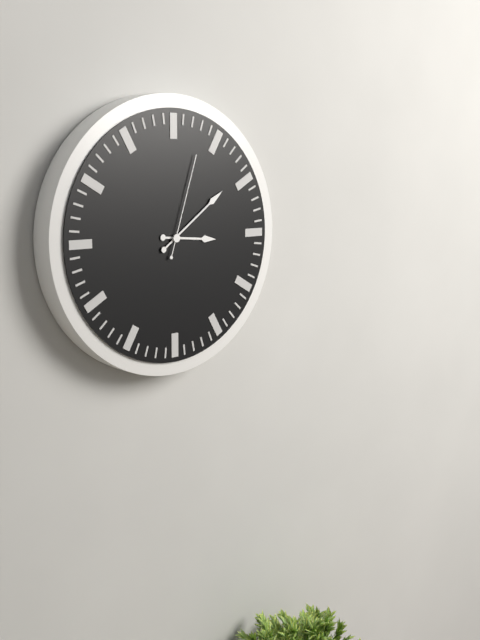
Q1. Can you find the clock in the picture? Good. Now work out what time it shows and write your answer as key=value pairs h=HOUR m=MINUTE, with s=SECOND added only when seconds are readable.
h=3 m=9 s=3
